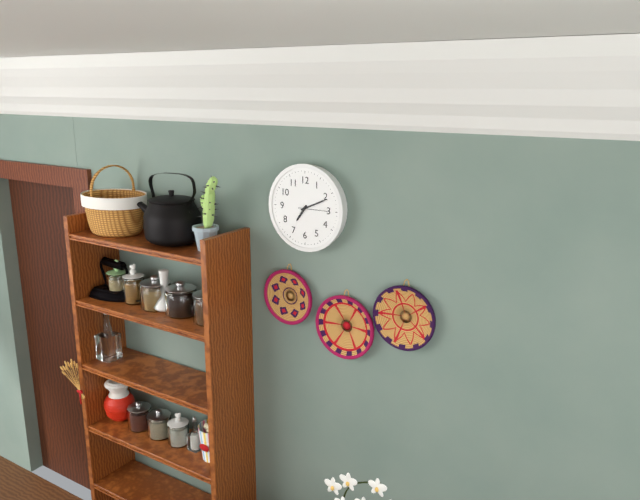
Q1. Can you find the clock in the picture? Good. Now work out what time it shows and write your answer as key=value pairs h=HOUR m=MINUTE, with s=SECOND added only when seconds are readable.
h=7 m=11
